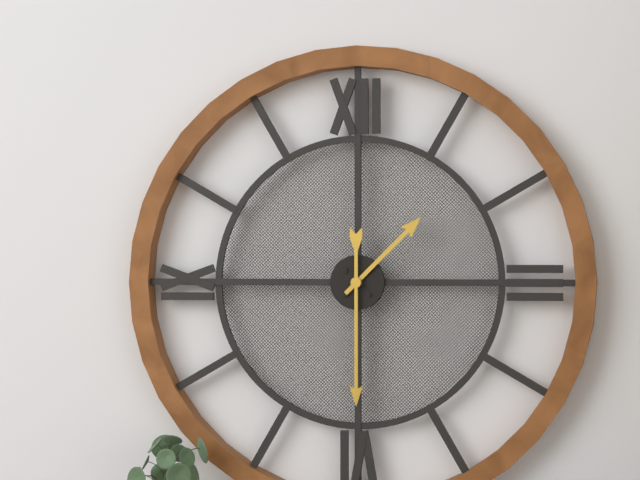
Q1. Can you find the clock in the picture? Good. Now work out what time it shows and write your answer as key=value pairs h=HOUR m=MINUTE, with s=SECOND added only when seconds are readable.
h=1 m=30
